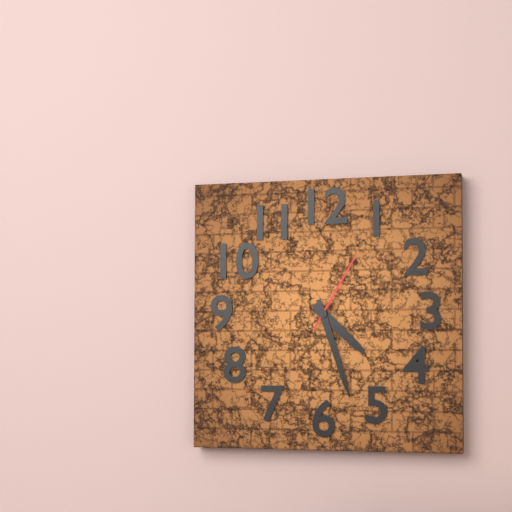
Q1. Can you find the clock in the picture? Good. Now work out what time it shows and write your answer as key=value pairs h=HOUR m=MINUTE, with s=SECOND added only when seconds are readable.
h=4 m=27 s=5
